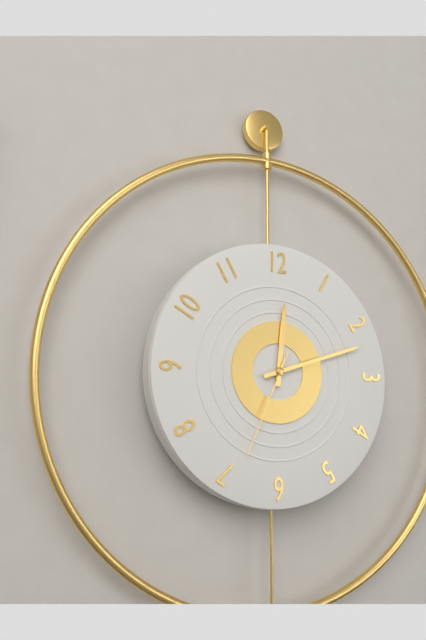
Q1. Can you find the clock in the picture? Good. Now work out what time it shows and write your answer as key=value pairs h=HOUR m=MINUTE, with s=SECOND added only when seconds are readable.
h=12 m=12 s=34
